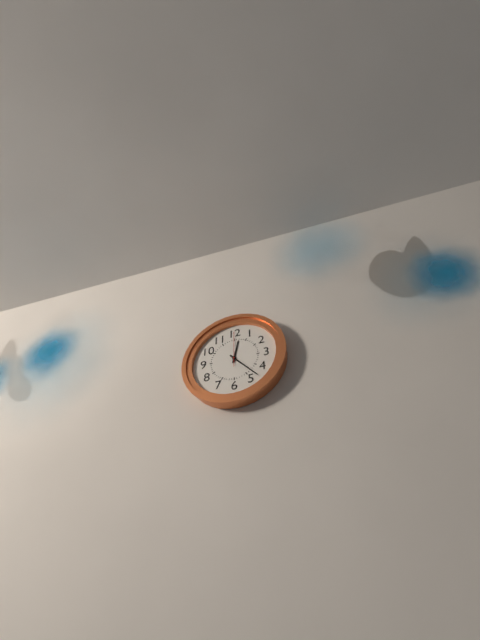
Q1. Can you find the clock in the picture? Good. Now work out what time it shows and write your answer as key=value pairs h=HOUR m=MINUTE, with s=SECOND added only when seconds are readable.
h=12 m=23
